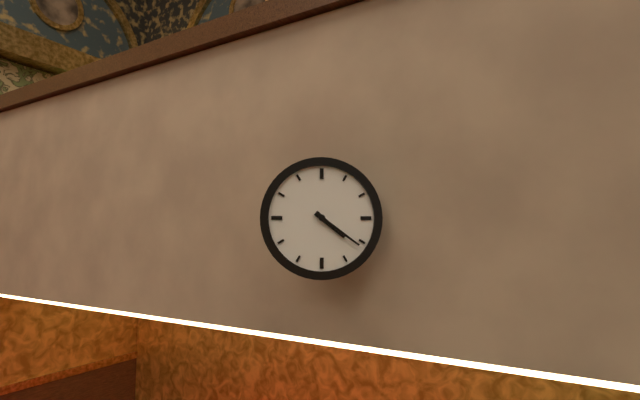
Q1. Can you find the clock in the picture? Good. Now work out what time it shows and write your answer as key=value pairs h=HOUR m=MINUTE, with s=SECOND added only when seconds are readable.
h=4 m=21
